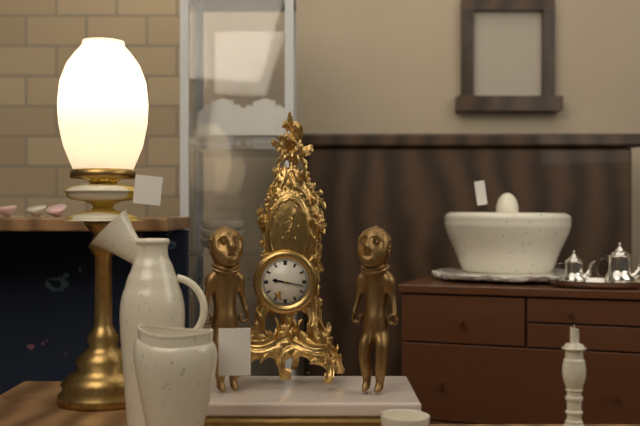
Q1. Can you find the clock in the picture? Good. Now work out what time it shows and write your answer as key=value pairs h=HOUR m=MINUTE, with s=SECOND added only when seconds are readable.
h=9 m=17
